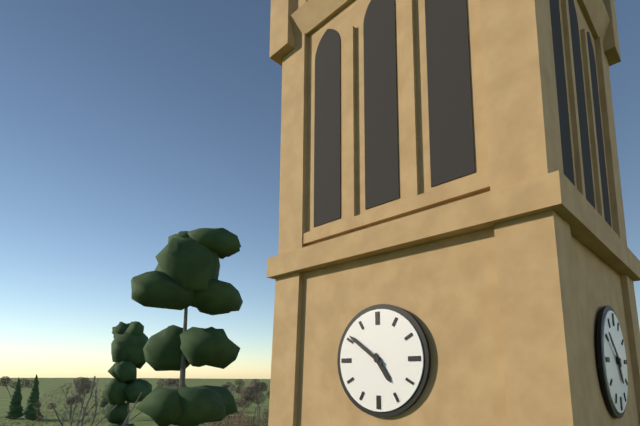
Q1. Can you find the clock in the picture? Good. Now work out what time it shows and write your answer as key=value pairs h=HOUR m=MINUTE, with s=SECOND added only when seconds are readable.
h=4 m=51
